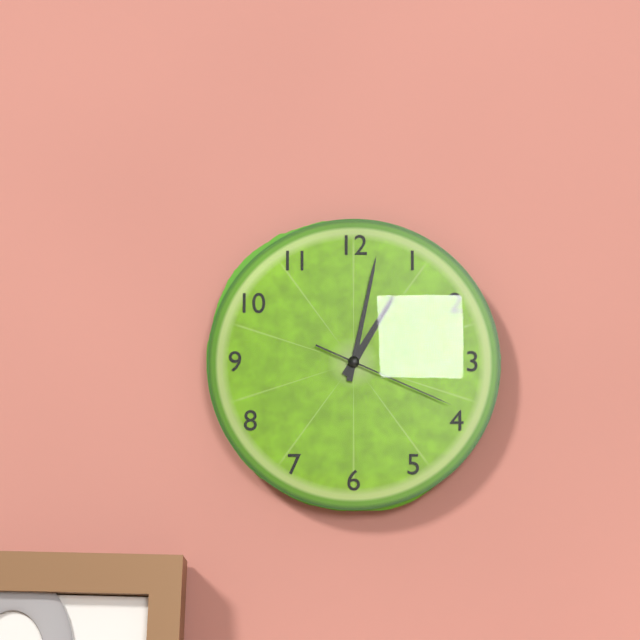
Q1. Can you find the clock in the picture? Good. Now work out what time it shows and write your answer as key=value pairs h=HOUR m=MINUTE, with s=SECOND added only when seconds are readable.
h=1 m=2 s=19
